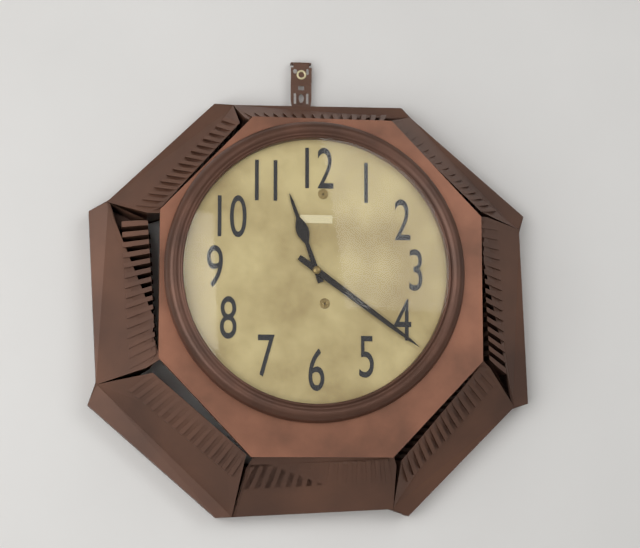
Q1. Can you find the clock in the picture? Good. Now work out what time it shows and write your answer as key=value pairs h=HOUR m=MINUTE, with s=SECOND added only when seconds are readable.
h=11 m=21
